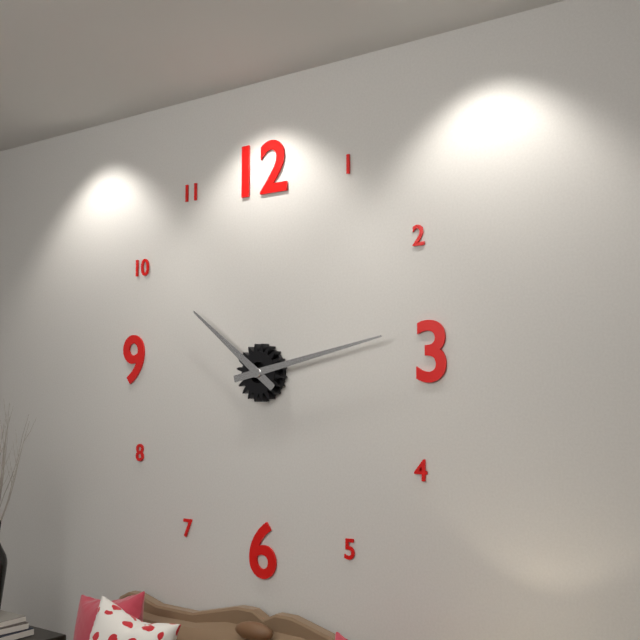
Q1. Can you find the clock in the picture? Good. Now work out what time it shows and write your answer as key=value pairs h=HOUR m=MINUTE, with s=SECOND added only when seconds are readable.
h=10 m=13
